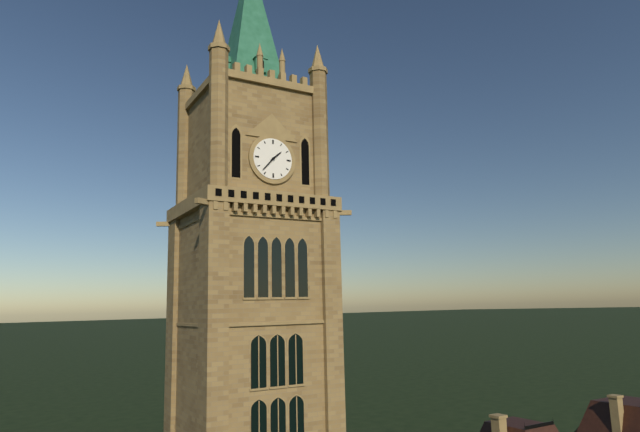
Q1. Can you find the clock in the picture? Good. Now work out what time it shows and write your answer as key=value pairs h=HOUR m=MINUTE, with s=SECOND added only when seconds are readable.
h=1 m=37
